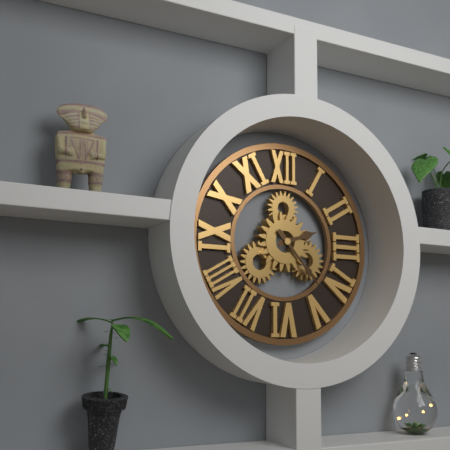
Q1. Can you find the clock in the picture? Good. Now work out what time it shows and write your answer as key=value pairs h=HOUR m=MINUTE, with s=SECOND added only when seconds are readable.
h=2 m=23
